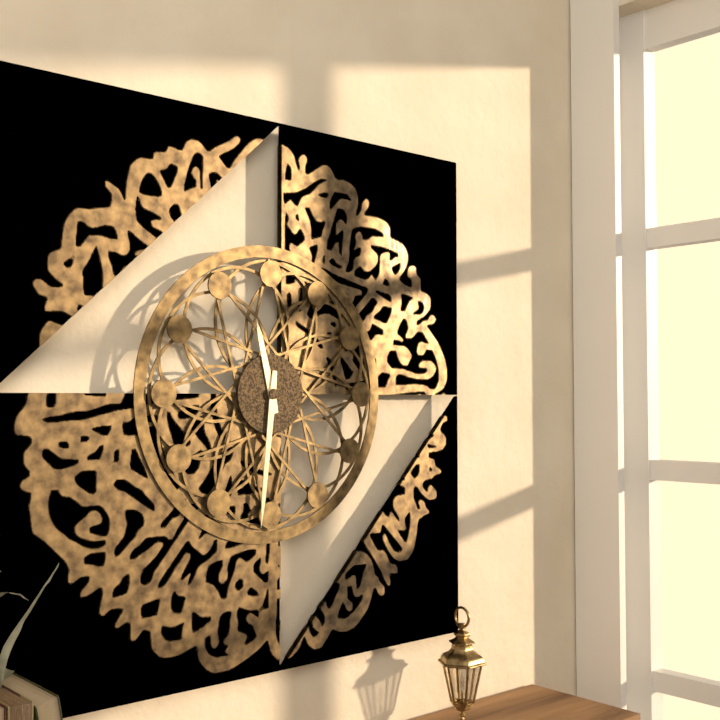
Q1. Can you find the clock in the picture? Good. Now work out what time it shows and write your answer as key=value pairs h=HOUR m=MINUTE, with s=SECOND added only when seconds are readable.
h=11 m=31
